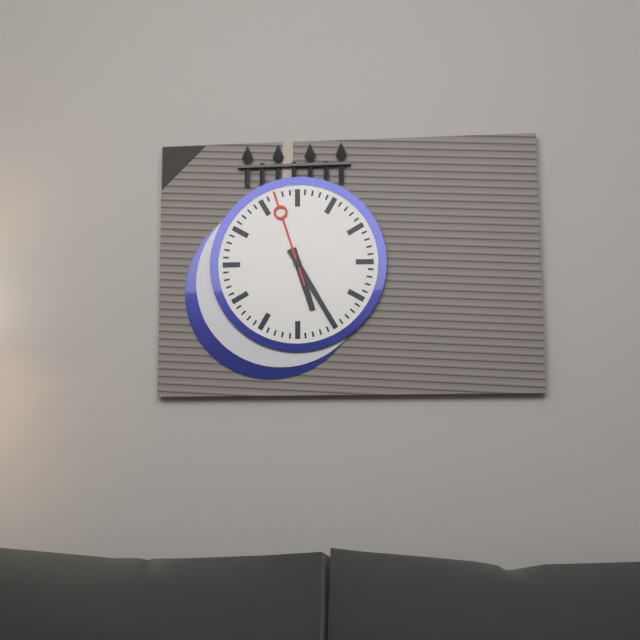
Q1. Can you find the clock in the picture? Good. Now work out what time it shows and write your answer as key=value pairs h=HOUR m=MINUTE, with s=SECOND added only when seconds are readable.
h=5 m=25 s=57
